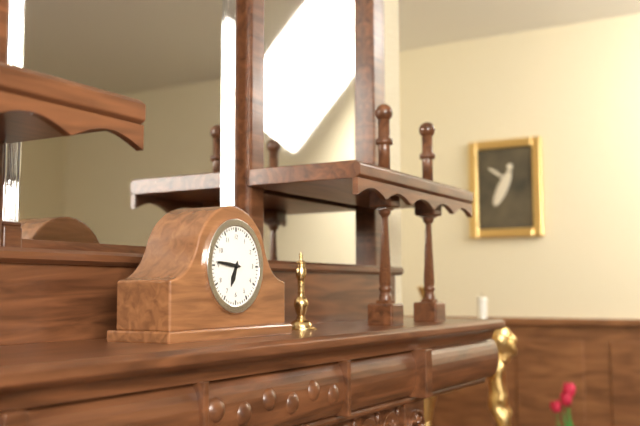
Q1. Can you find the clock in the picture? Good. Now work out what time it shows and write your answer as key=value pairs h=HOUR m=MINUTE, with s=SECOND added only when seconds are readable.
h=6 m=46
